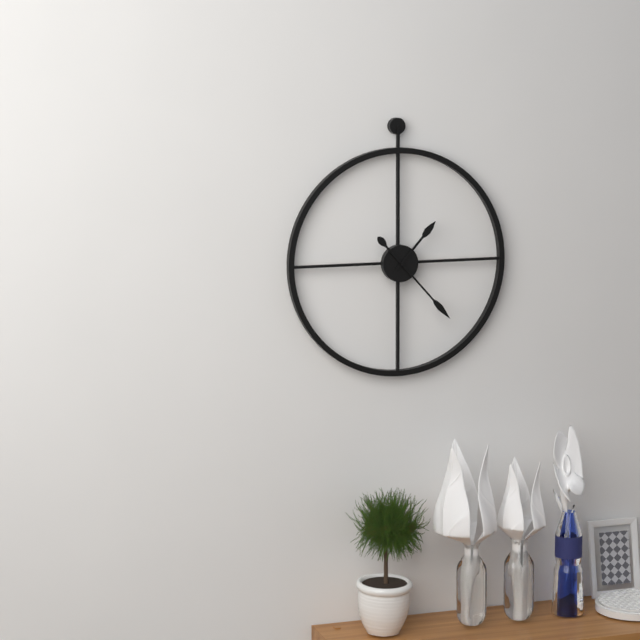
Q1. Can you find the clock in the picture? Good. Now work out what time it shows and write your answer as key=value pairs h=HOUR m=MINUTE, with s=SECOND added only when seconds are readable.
h=1 m=23
